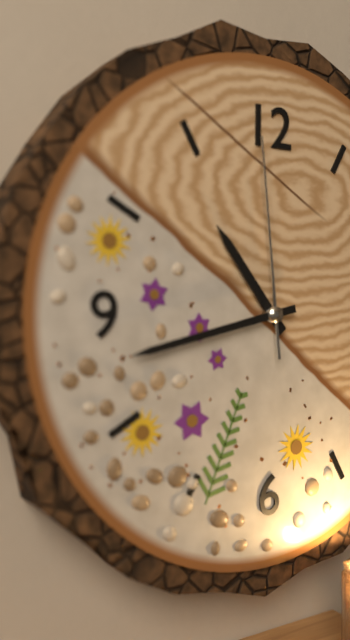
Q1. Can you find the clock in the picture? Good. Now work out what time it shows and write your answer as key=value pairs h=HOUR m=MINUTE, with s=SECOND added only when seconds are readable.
h=10 m=43 s=59
